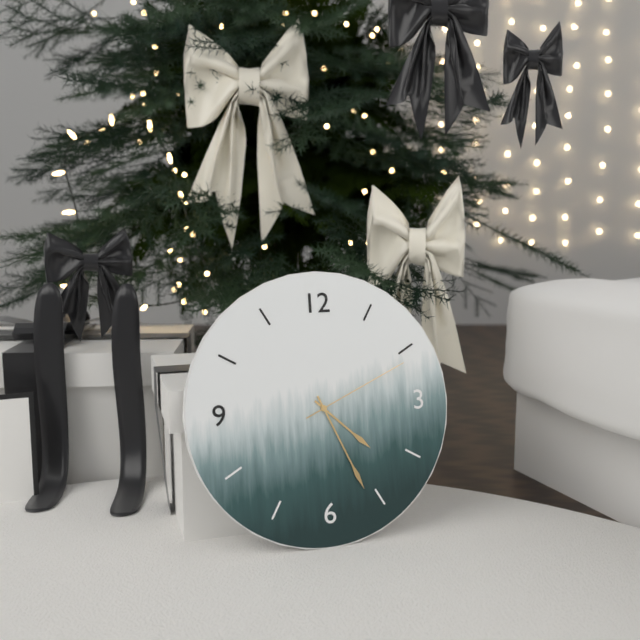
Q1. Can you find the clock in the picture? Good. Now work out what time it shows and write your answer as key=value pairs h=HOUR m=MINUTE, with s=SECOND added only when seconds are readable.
h=4 m=26 s=11
